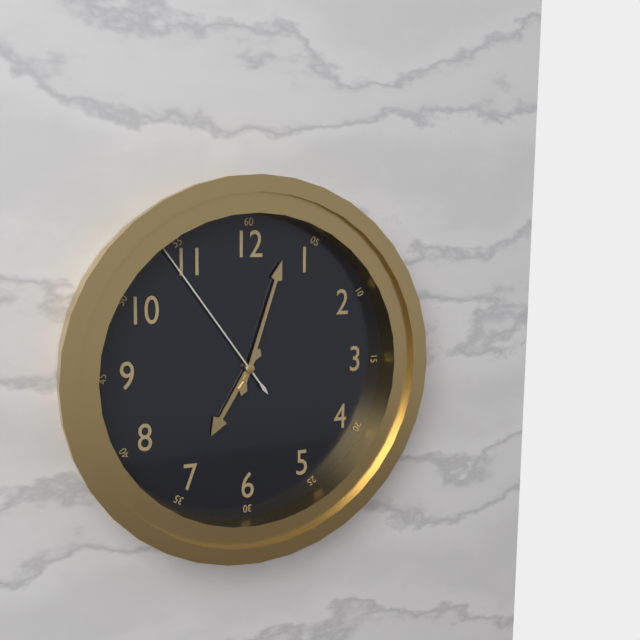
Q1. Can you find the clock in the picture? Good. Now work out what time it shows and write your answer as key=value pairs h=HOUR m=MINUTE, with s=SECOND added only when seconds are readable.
h=7 m=3 s=54
